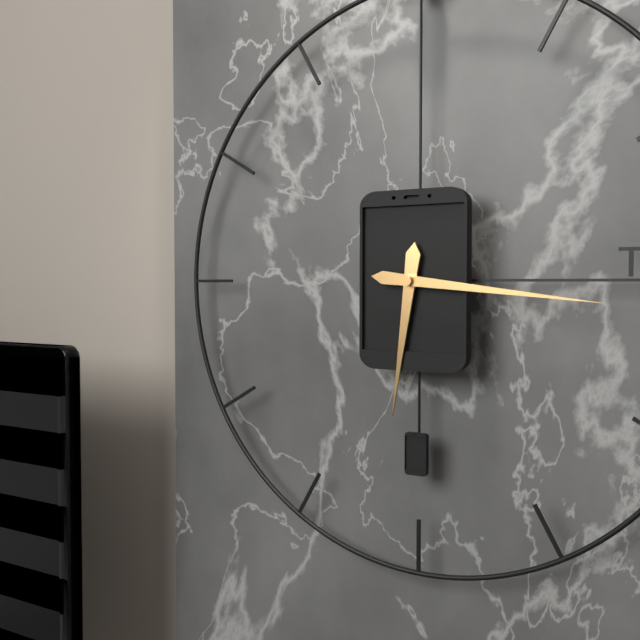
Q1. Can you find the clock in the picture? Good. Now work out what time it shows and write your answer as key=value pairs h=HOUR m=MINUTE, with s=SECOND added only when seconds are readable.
h=6 m=16
